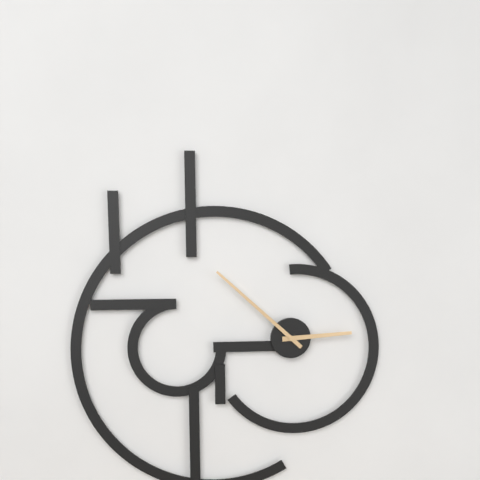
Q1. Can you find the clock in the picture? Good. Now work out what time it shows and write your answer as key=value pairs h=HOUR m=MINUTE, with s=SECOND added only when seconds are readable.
h=2 m=52
